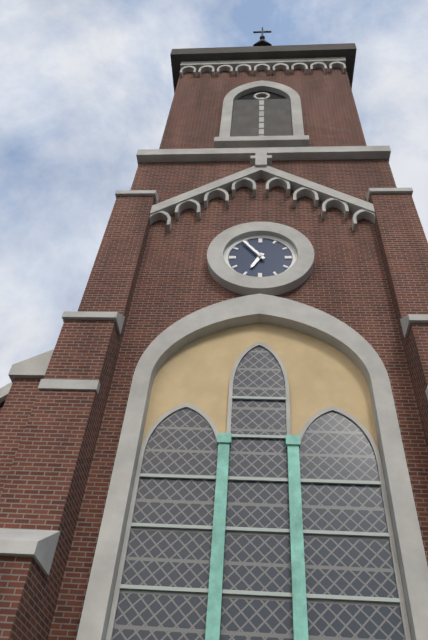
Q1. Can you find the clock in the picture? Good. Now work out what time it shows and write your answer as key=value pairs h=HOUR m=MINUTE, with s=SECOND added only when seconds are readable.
h=6 m=54
